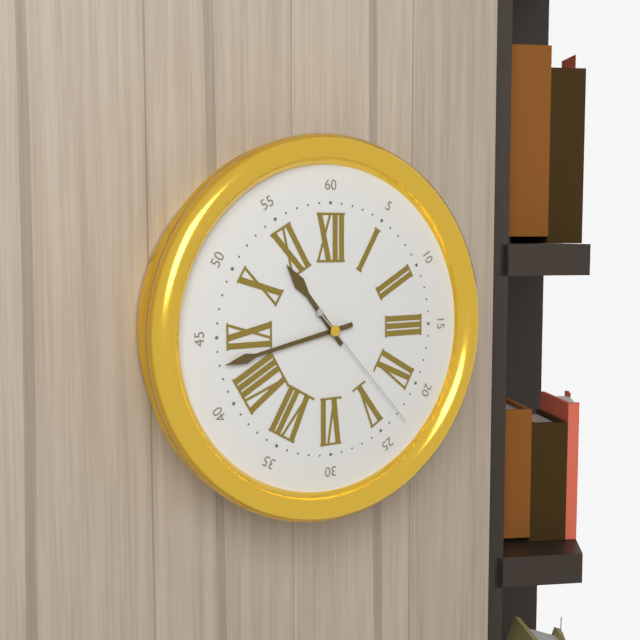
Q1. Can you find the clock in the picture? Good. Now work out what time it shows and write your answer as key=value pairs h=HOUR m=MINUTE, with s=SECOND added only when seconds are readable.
h=10 m=43 s=23
